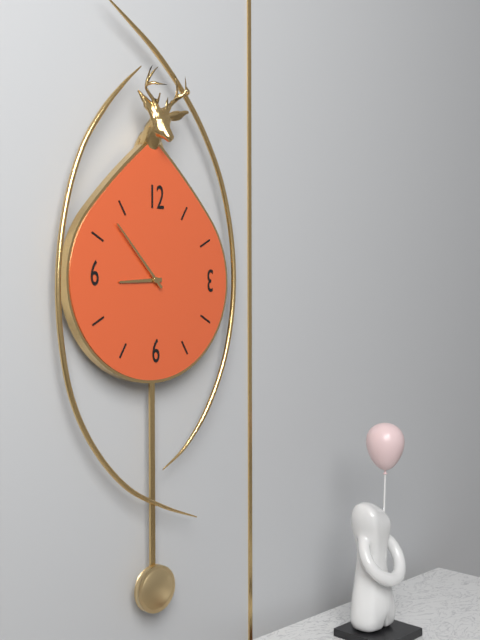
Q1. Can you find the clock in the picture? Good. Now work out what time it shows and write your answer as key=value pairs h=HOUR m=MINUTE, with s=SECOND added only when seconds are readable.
h=8 m=53
